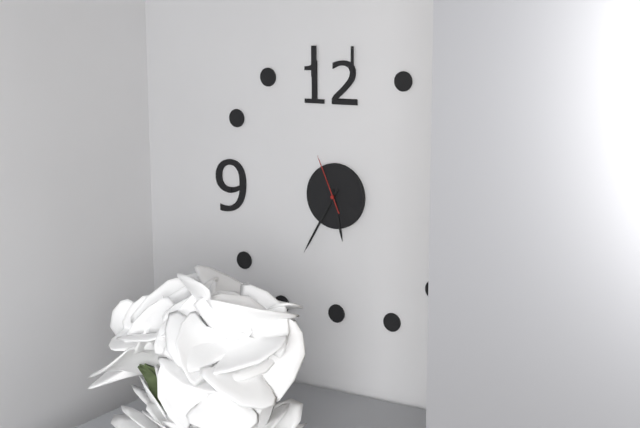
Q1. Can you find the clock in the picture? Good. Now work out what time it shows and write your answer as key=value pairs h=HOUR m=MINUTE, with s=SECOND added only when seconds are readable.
h=5 m=35 s=56
